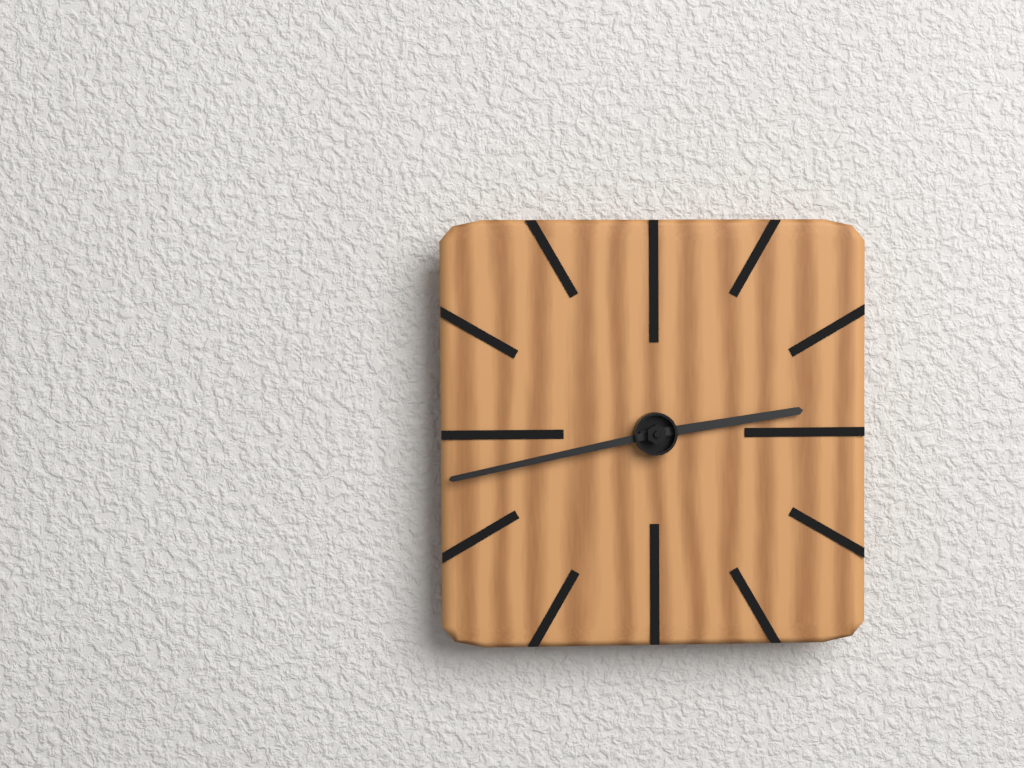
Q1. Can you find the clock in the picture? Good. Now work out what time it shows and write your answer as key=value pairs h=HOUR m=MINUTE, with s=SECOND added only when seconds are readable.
h=2 m=43
